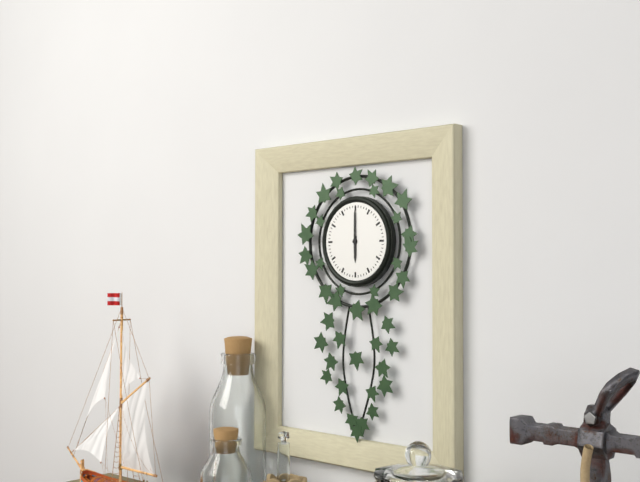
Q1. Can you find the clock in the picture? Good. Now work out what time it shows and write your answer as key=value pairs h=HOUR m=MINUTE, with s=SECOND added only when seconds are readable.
h=6 m=0
